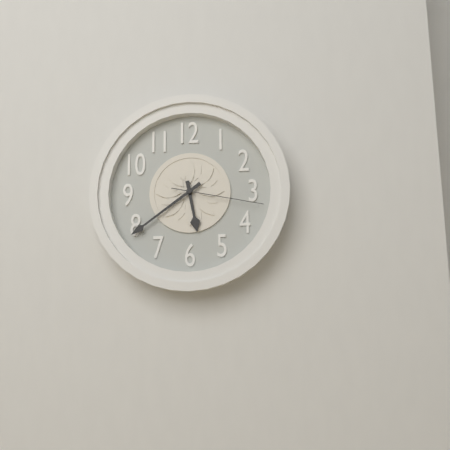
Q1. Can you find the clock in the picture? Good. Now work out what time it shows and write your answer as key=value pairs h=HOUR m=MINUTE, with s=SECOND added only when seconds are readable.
h=5 m=39 s=17
